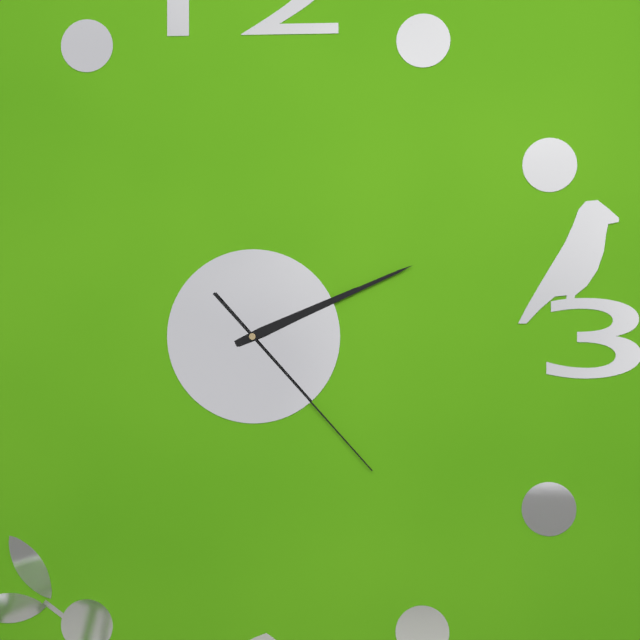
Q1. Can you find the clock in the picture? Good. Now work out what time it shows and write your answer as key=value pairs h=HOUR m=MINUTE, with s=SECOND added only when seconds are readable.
h=2 m=11 s=23
